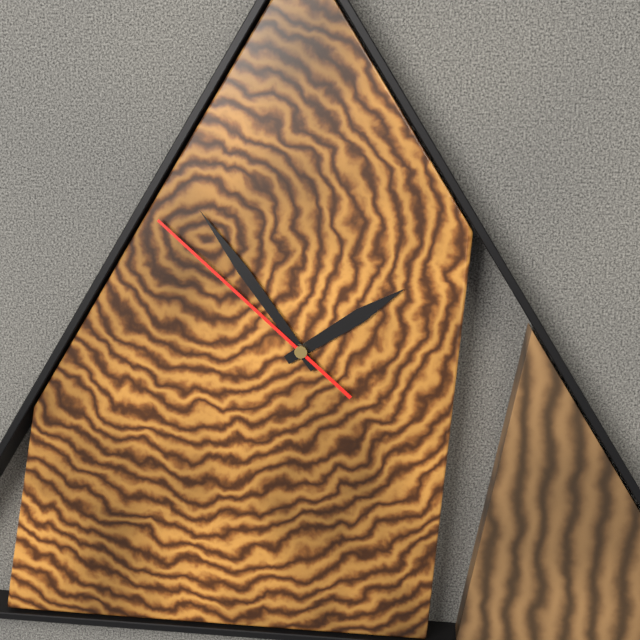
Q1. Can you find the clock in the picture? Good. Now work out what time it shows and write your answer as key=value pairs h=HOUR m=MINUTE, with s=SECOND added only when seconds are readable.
h=1 m=54 s=52
